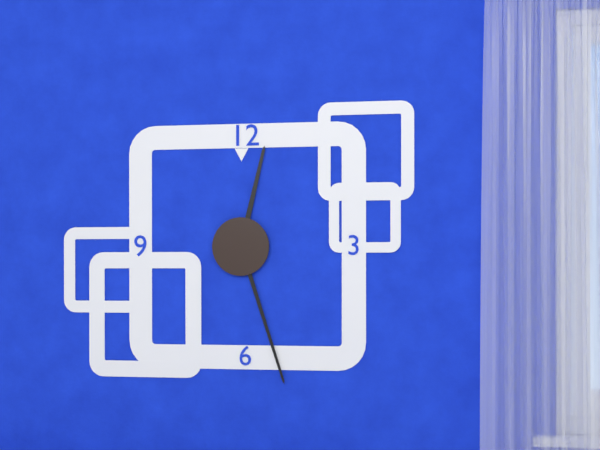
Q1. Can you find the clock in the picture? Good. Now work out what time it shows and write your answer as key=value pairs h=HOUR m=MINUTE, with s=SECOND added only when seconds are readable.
h=12 m=27
